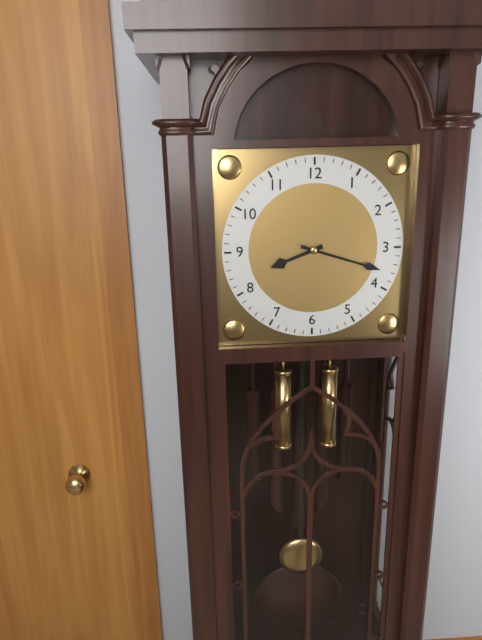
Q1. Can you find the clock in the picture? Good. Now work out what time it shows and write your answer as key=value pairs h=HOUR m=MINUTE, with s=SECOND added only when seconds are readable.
h=8 m=18
